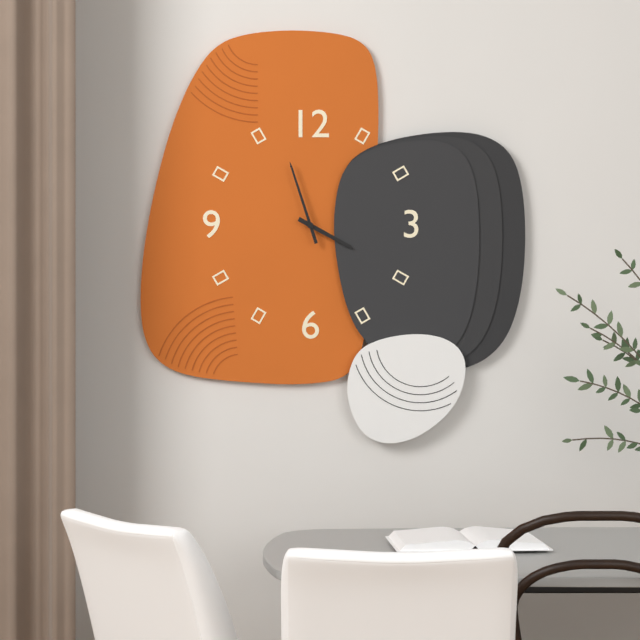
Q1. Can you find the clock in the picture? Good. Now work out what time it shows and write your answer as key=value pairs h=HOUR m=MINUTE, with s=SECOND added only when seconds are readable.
h=3 m=57
